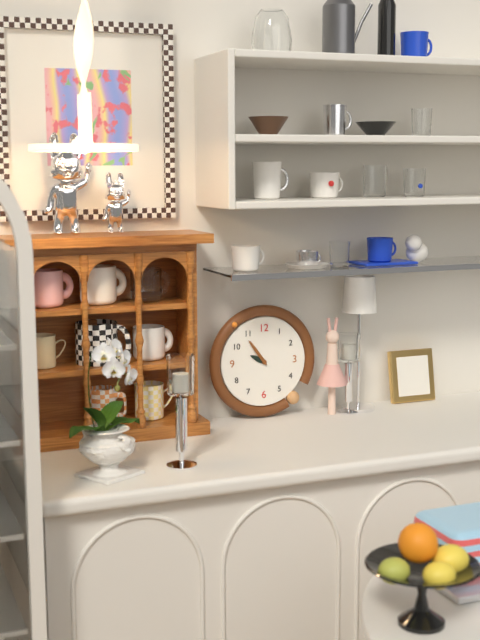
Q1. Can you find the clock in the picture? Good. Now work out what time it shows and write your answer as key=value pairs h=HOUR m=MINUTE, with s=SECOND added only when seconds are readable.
h=9 m=54
